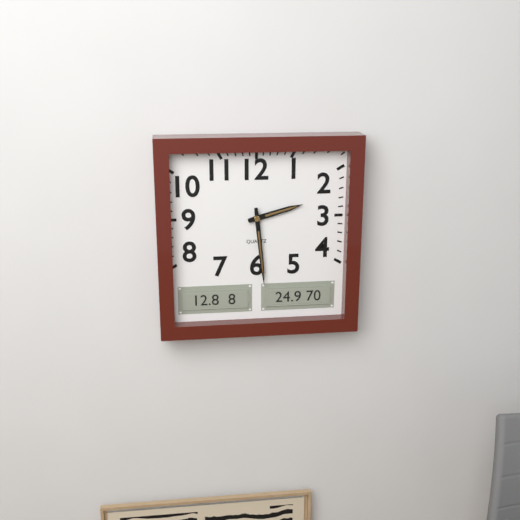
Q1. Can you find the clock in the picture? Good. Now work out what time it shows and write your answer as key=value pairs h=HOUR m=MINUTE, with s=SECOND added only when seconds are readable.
h=2 m=29
